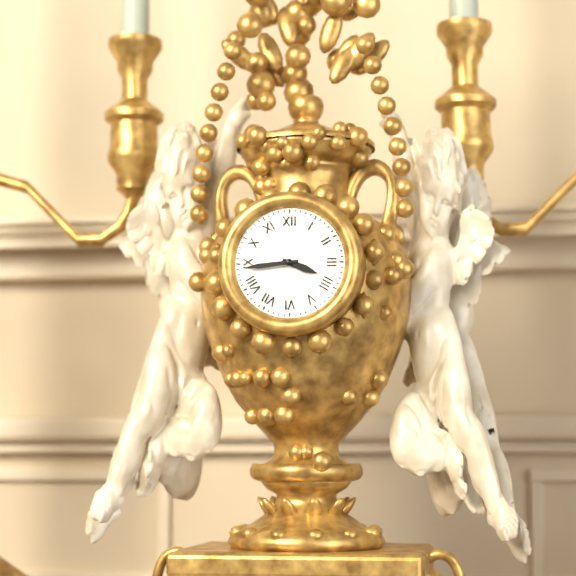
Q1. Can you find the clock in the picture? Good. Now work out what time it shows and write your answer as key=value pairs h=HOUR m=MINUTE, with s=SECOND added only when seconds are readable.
h=3 m=44
